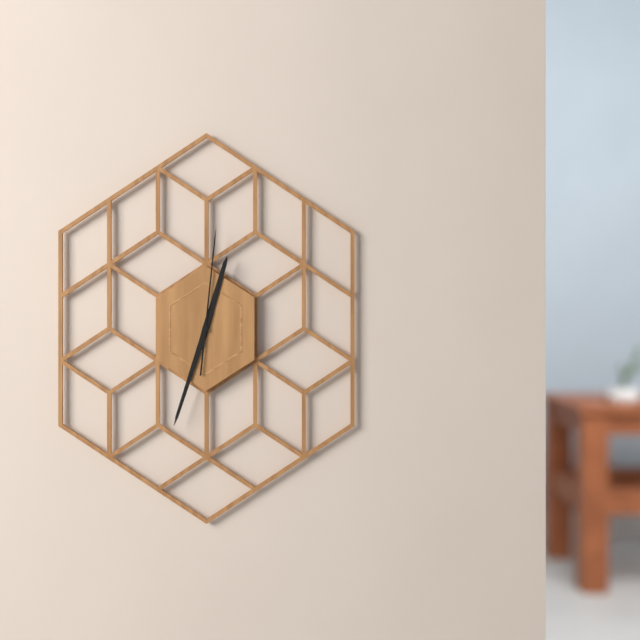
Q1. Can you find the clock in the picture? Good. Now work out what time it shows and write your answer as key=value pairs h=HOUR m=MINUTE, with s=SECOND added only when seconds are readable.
h=12 m=33 s=1
